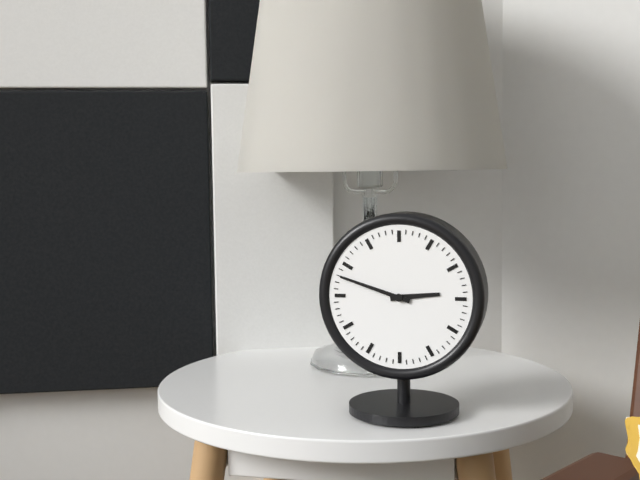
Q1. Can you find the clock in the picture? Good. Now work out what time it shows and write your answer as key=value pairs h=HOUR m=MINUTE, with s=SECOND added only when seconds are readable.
h=2 m=48
